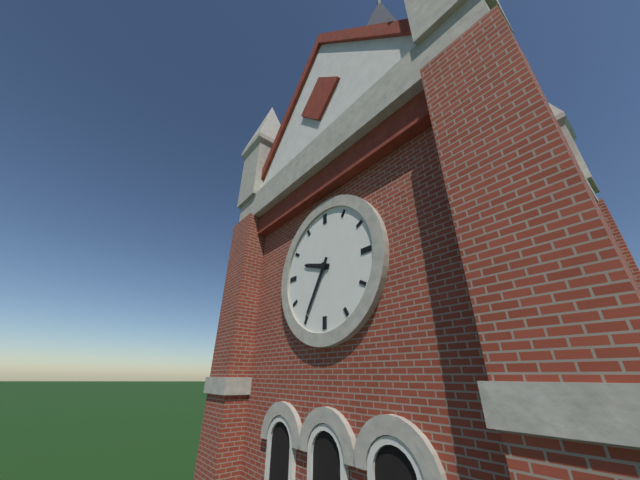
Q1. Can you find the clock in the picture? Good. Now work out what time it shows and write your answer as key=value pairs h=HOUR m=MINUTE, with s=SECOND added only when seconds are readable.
h=9 m=35
